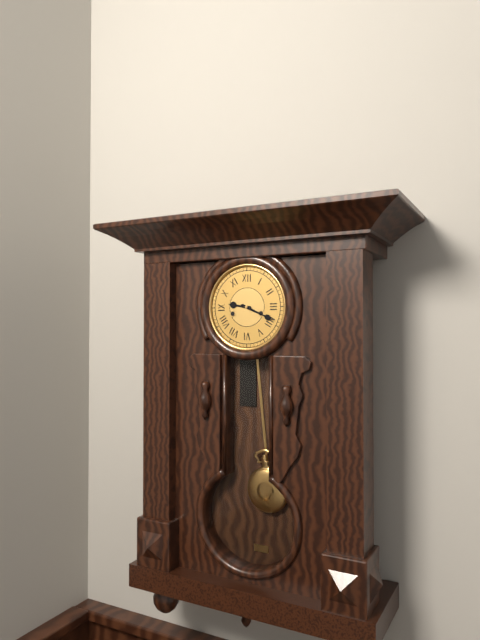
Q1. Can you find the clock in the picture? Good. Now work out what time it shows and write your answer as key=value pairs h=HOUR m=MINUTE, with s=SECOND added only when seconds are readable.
h=9 m=19
